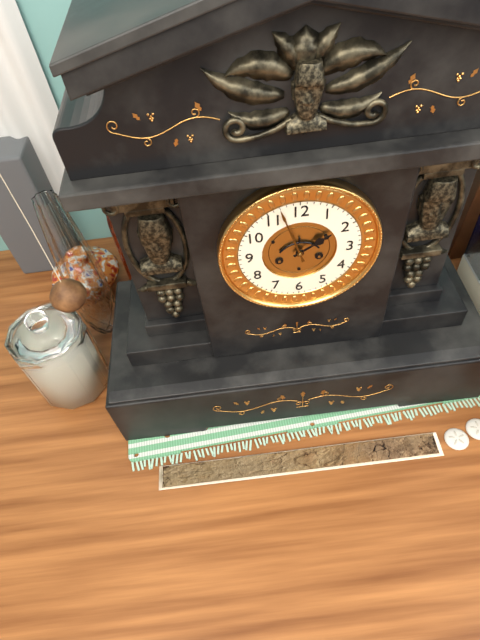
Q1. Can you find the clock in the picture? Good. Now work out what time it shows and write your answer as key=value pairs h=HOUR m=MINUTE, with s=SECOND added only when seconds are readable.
h=1 m=57
